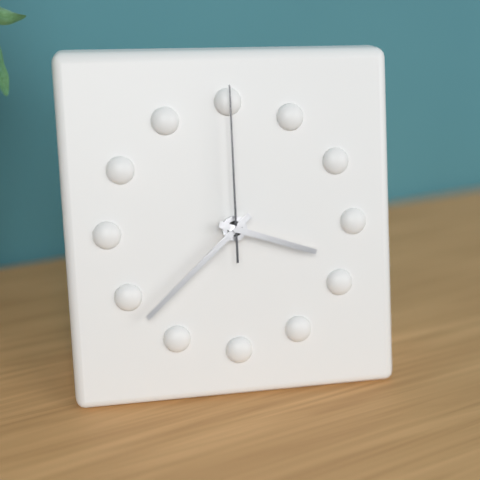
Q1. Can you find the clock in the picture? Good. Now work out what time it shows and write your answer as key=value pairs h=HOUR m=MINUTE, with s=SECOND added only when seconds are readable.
h=3 m=38 s=0
